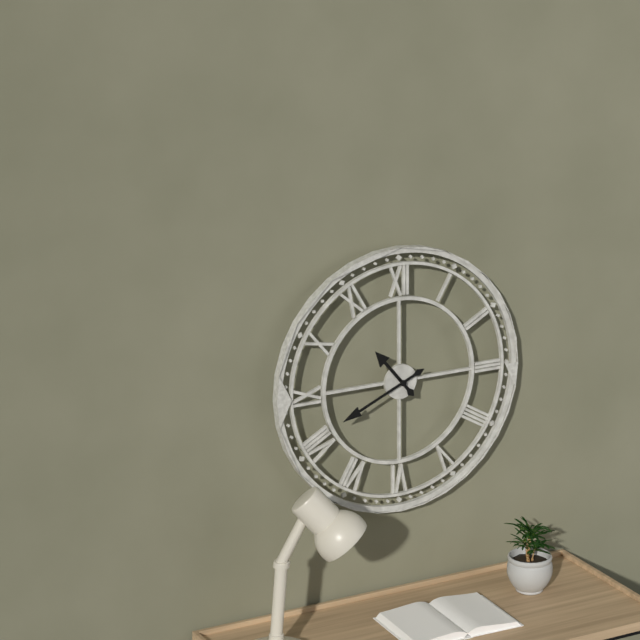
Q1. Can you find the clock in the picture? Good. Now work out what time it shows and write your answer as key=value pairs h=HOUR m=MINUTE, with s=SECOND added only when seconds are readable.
h=10 m=41
